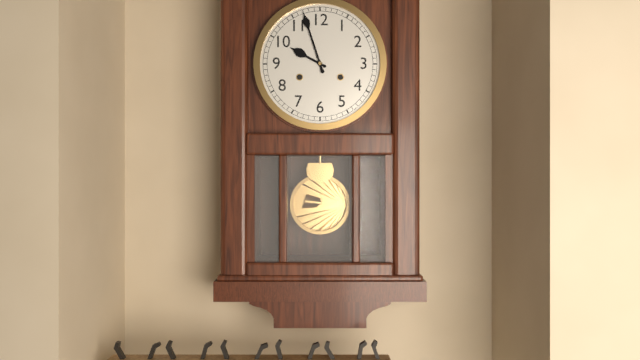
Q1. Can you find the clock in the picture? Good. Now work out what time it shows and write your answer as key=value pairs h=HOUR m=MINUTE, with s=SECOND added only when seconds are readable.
h=9 m=57
